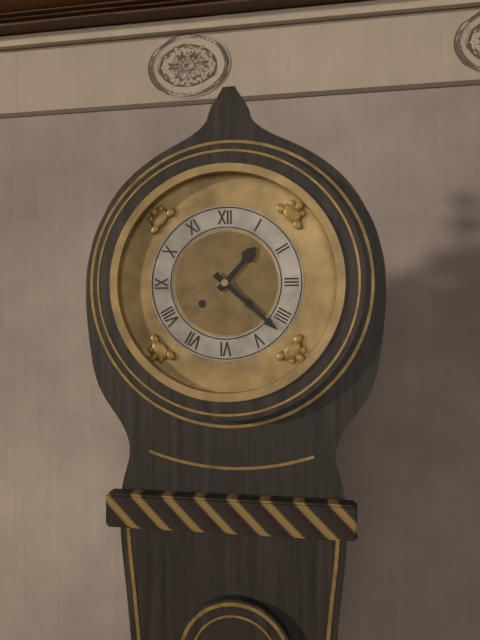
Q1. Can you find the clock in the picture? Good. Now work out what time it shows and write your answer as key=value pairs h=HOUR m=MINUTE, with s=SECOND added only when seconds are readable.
h=1 m=22
